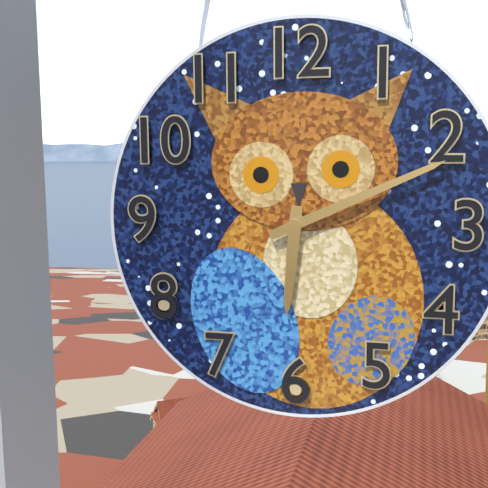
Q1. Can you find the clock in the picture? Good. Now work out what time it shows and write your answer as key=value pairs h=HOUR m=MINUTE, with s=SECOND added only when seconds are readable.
h=6 m=11
